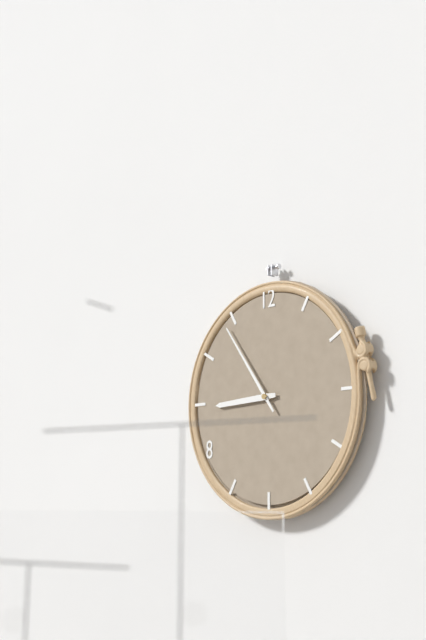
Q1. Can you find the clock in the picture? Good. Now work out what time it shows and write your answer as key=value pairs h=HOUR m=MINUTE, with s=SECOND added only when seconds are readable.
h=8 m=54
